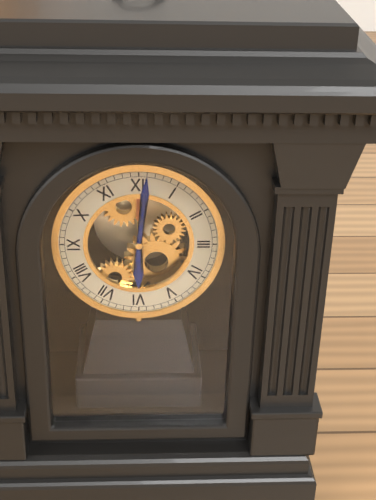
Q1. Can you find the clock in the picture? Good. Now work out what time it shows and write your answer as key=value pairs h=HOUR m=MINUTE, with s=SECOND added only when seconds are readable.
h=6 m=1
